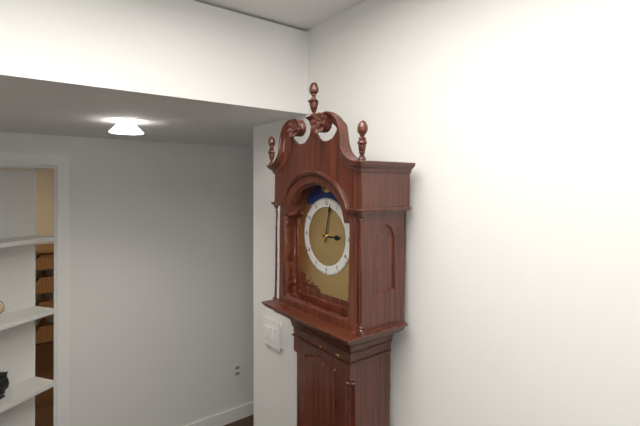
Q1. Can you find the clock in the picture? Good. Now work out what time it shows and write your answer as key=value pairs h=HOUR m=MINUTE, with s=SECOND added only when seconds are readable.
h=3 m=2
